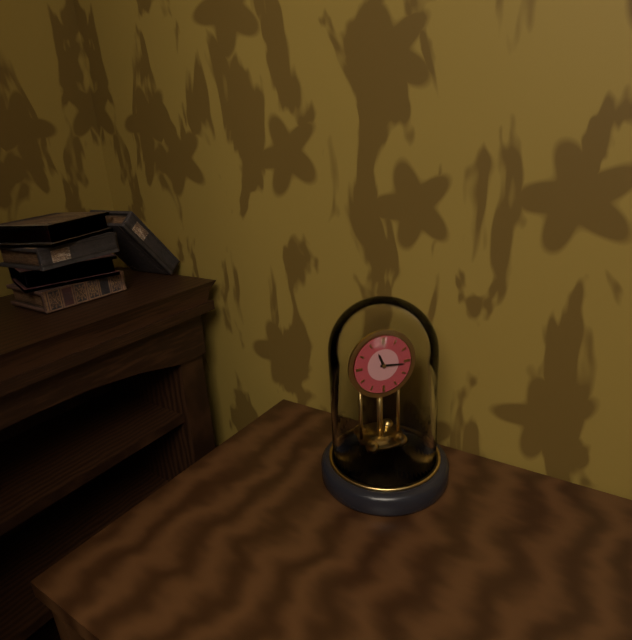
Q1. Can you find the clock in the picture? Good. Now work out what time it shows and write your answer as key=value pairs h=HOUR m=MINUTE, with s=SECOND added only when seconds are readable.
h=11 m=16
